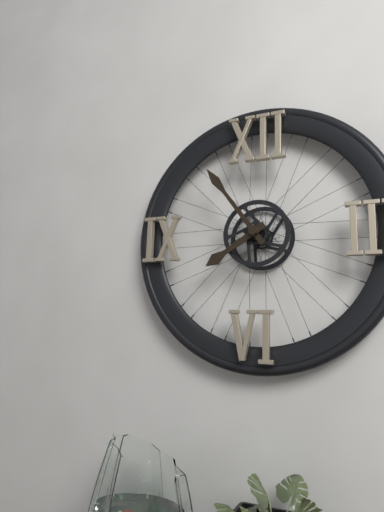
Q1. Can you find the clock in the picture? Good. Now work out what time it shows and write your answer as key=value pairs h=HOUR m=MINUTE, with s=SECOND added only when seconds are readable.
h=7 m=54
